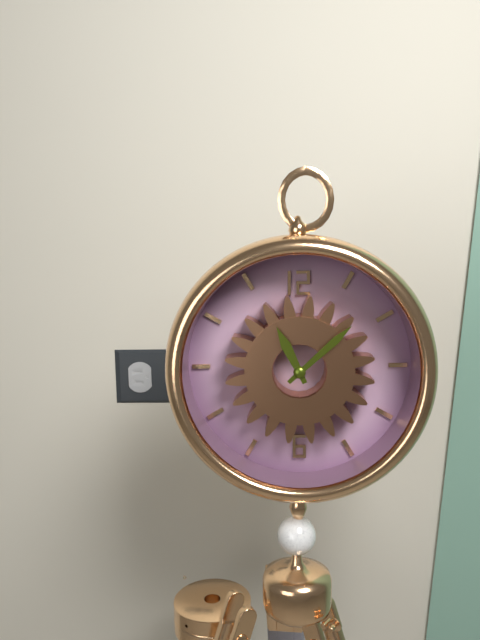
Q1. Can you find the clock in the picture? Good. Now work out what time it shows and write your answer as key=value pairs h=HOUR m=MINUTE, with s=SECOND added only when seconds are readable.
h=11 m=8
